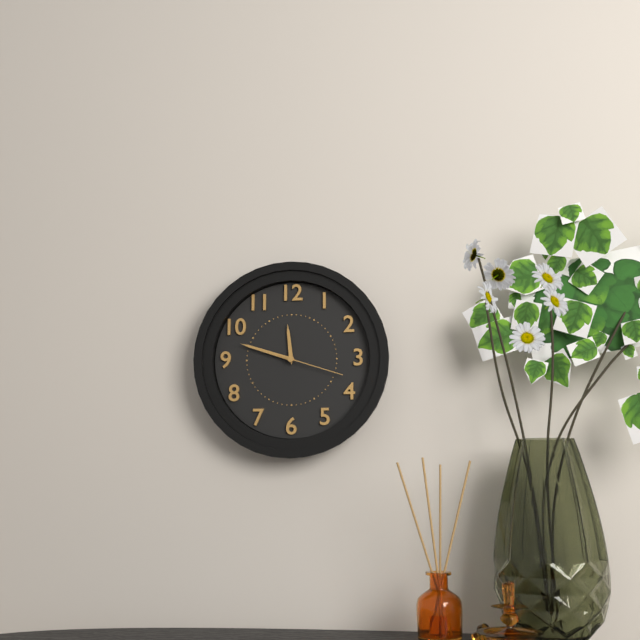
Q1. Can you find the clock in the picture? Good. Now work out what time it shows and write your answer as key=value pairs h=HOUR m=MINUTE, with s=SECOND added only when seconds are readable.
h=11 m=48 s=18
